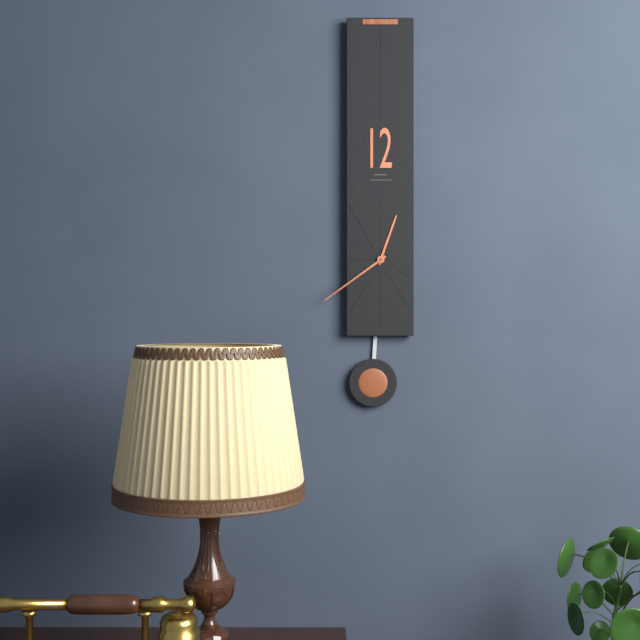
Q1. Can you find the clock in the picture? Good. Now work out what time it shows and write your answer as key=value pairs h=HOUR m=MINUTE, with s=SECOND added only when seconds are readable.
h=12 m=39
